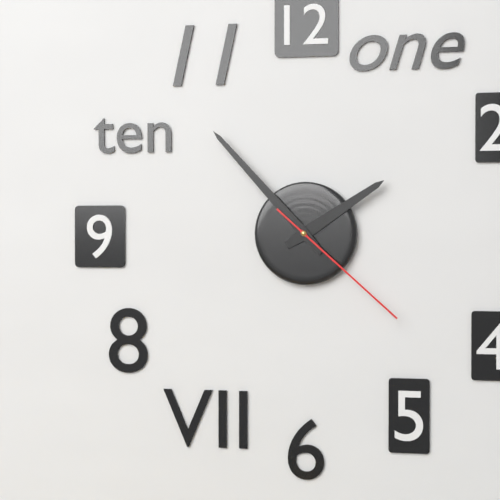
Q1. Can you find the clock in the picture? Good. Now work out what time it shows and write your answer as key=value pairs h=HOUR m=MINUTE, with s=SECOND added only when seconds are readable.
h=1 m=53 s=22
